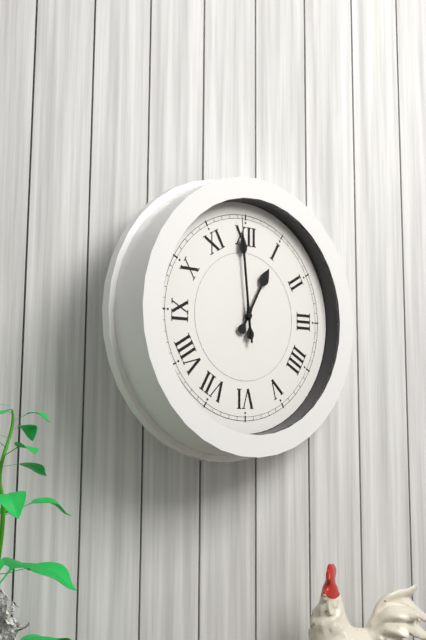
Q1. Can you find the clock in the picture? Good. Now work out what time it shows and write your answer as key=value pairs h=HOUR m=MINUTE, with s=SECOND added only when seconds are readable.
h=12 m=59 s=59
